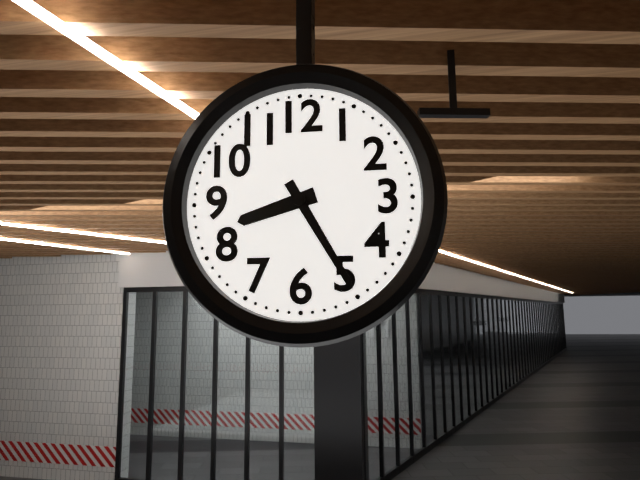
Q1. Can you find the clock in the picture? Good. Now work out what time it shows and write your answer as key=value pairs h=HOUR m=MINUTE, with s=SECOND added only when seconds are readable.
h=8 m=25
